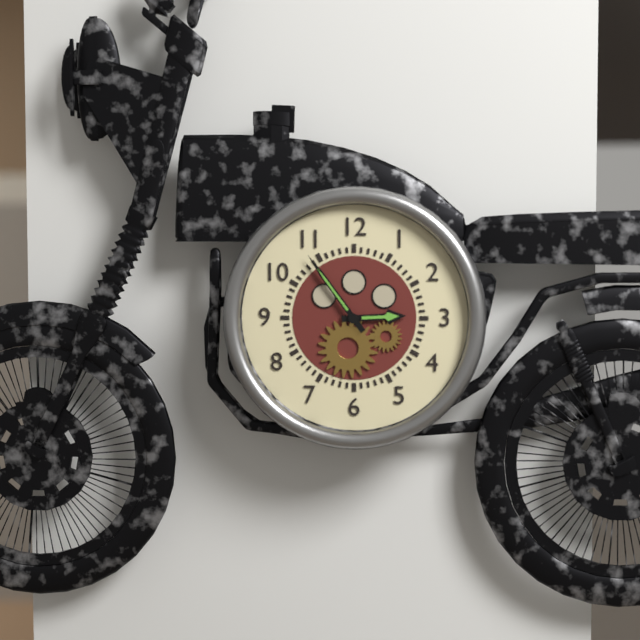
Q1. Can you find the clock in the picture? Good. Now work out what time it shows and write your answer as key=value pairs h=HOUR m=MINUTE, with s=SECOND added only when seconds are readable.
h=2 m=54
